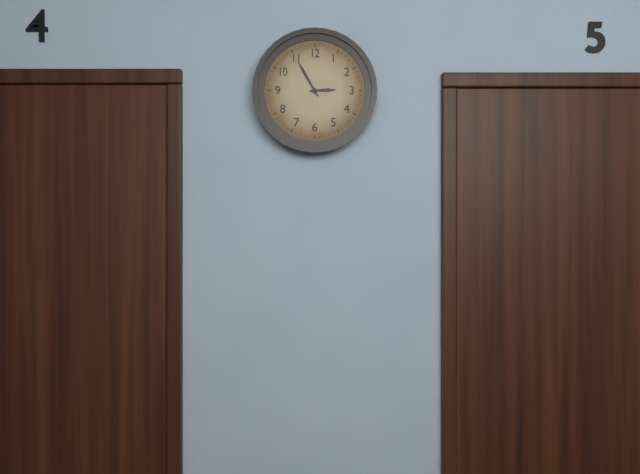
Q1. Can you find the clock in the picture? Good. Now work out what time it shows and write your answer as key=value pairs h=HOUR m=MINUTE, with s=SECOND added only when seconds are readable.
h=2 m=55
